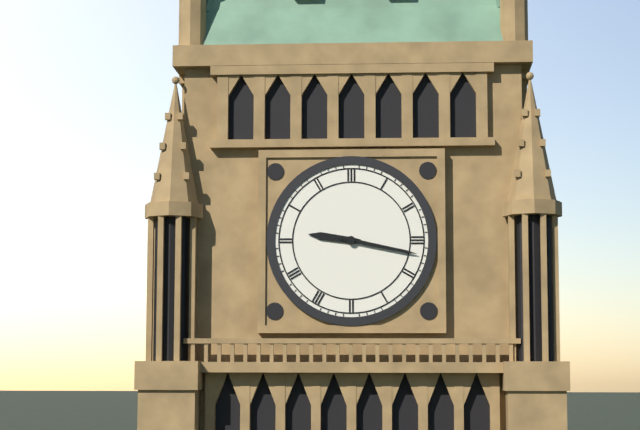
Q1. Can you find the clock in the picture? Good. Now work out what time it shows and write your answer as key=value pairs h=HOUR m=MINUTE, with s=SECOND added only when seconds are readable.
h=9 m=17
